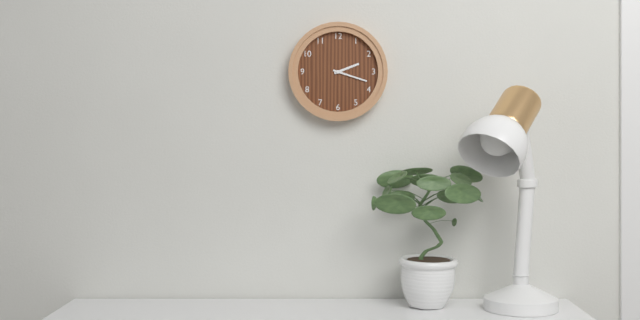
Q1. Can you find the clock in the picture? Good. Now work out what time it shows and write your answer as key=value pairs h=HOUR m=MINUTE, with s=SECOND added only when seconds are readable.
h=2 m=18
